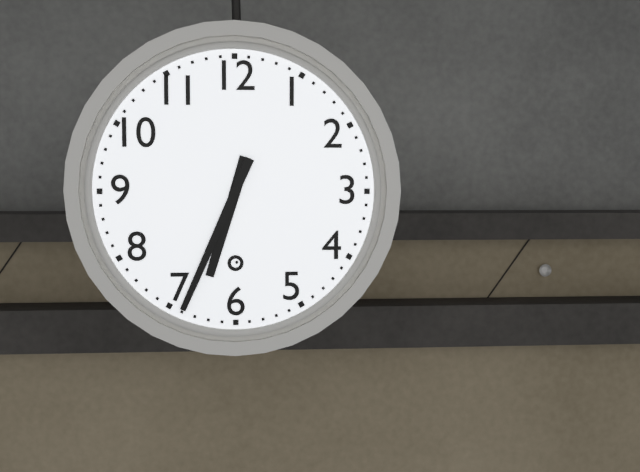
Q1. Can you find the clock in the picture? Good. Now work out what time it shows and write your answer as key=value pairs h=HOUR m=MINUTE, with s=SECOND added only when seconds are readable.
h=6 m=34
